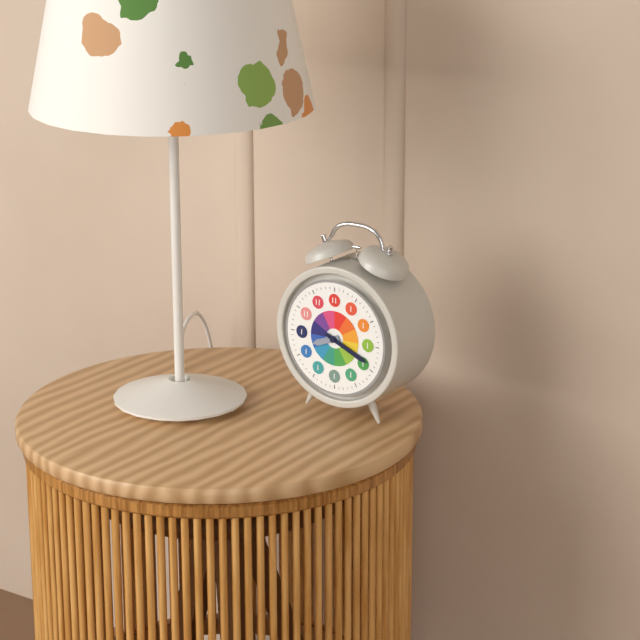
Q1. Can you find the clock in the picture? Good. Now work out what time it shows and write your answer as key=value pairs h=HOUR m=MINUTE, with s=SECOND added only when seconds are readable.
h=8 m=19
